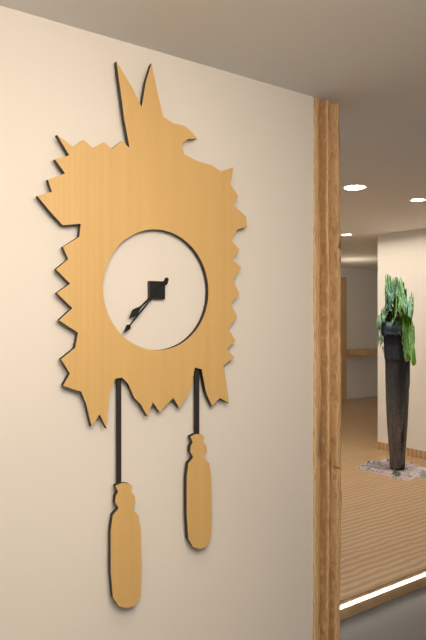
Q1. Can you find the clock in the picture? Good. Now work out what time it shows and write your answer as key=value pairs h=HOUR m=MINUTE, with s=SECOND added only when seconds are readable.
h=7 m=37
